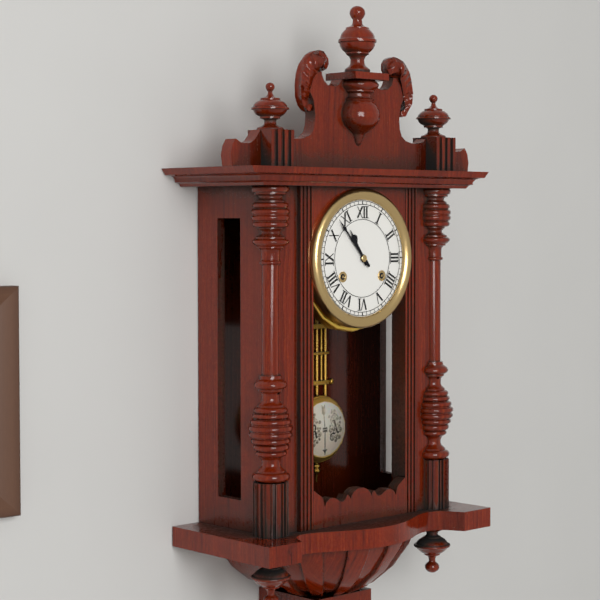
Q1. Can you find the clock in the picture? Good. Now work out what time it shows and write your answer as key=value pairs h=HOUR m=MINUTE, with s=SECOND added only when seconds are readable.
h=10 m=53
